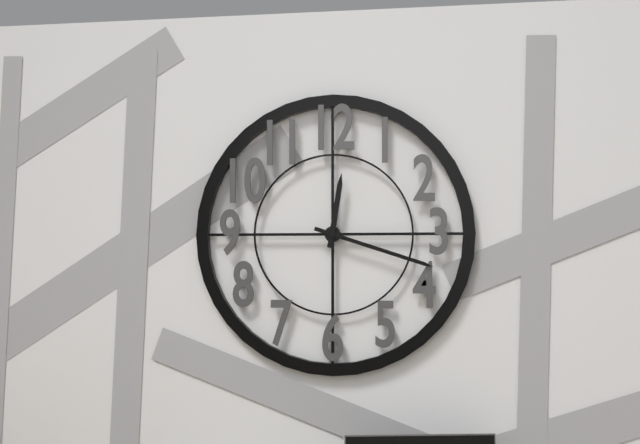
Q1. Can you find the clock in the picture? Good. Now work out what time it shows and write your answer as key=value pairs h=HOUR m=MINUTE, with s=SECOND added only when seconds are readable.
h=12 m=18
